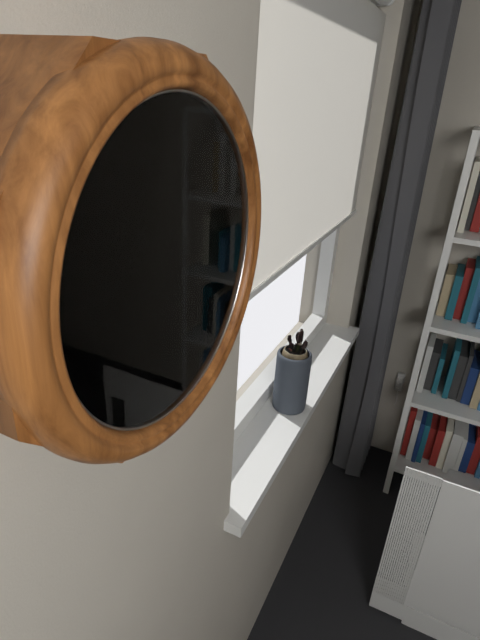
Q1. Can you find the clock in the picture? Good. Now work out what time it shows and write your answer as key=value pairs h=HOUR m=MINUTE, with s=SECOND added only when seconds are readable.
h=4 m=21
